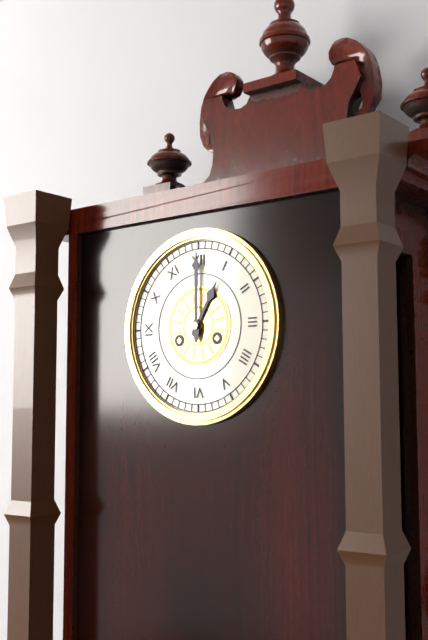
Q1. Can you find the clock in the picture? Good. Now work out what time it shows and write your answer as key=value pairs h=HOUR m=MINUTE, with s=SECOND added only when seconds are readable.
h=1 m=0
